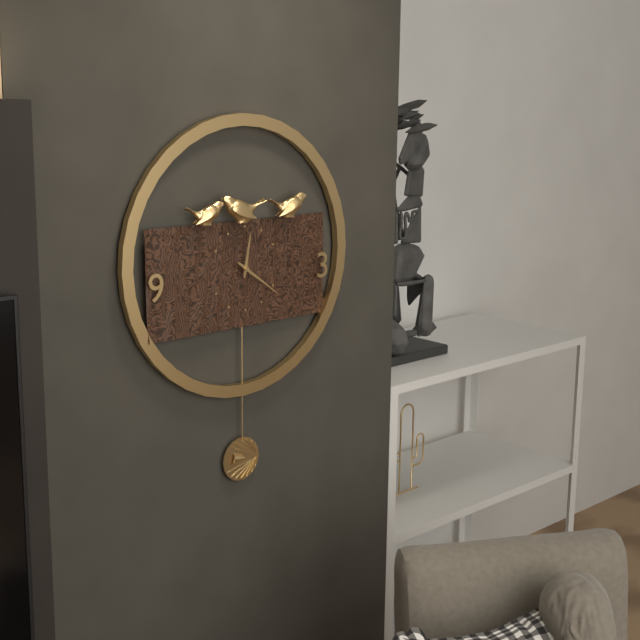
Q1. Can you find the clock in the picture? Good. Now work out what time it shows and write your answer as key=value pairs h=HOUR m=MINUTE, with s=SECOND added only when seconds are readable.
h=12 m=21
